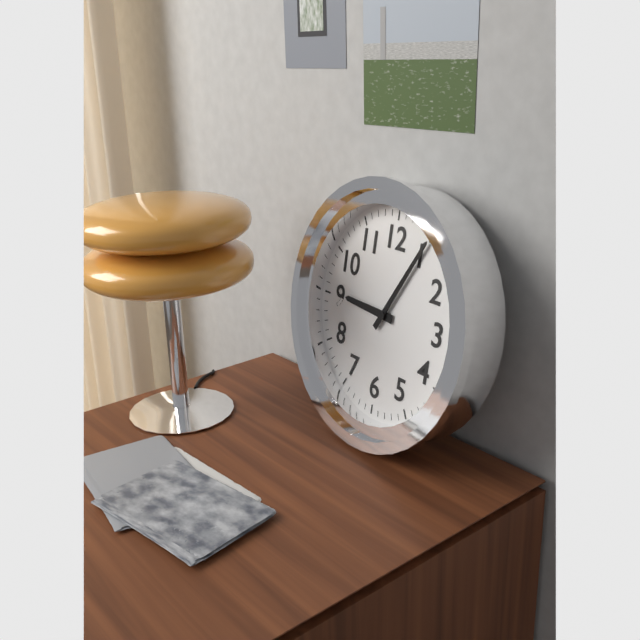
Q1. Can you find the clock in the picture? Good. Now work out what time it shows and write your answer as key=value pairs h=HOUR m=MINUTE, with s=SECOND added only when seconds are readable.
h=9 m=5
